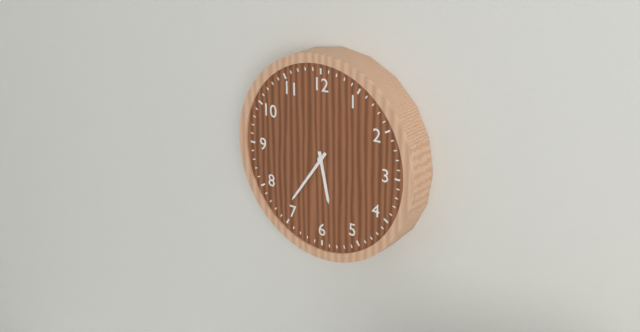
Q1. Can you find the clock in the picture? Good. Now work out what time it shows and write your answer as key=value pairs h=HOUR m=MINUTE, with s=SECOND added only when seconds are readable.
h=5 m=36
